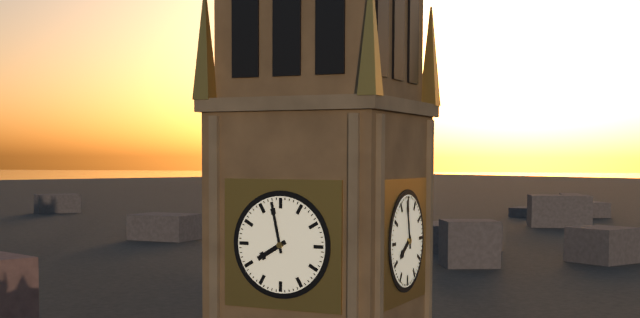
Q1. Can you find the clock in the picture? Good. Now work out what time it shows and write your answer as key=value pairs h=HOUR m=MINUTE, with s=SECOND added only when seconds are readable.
h=7 m=58
